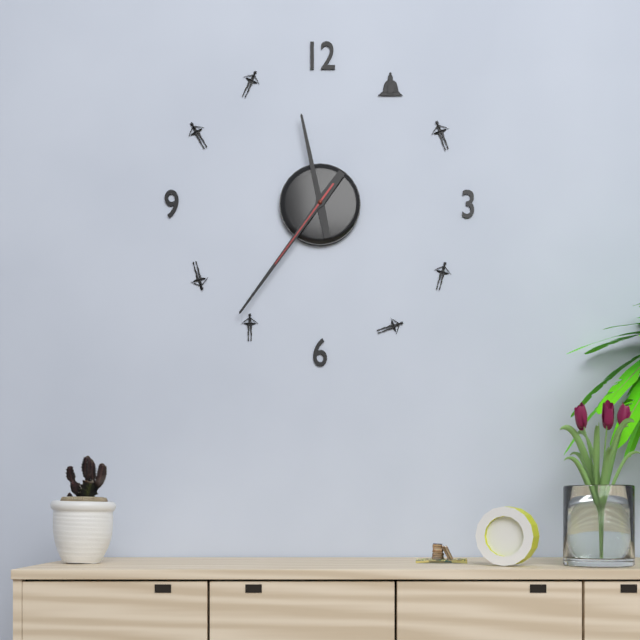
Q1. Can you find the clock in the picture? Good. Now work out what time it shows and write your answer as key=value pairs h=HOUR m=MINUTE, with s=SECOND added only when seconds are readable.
h=11 m=36 s=36
